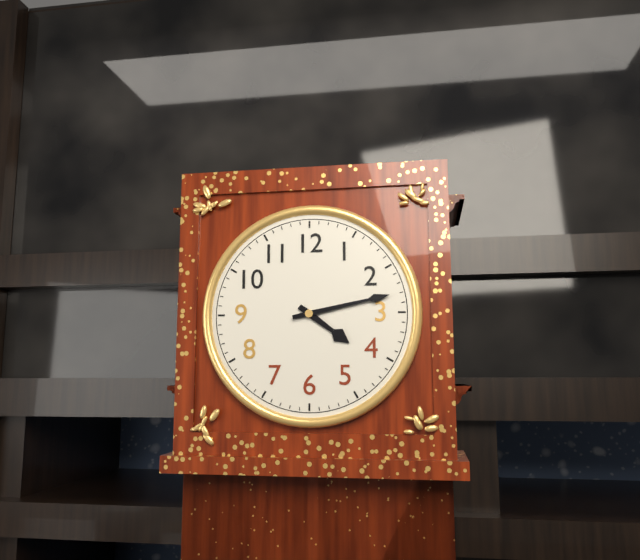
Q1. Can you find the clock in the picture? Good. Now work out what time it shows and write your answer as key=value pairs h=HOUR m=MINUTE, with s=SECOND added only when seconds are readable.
h=4 m=13
